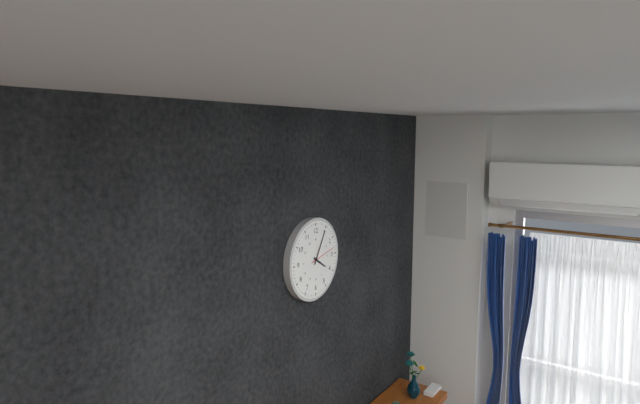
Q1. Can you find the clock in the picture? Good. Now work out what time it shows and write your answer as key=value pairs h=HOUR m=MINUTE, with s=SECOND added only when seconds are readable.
h=4 m=5
